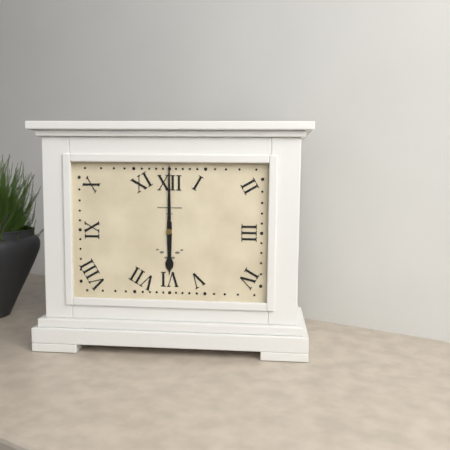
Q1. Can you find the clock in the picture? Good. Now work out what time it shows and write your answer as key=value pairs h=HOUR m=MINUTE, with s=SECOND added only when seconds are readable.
h=6 m=0
